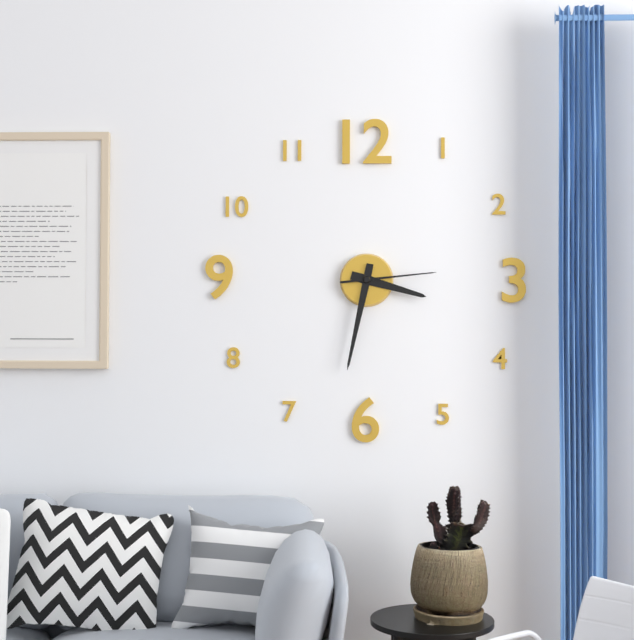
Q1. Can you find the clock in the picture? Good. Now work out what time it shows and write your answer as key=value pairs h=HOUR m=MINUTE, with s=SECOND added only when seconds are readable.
h=3 m=32 s=14
